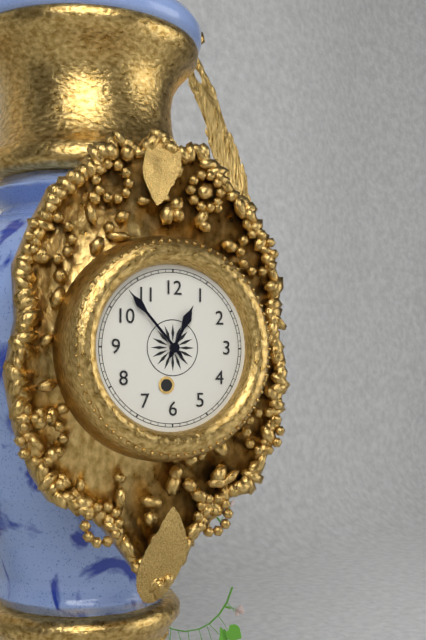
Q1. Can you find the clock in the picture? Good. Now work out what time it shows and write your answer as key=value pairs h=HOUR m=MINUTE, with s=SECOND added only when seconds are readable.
h=12 m=53
